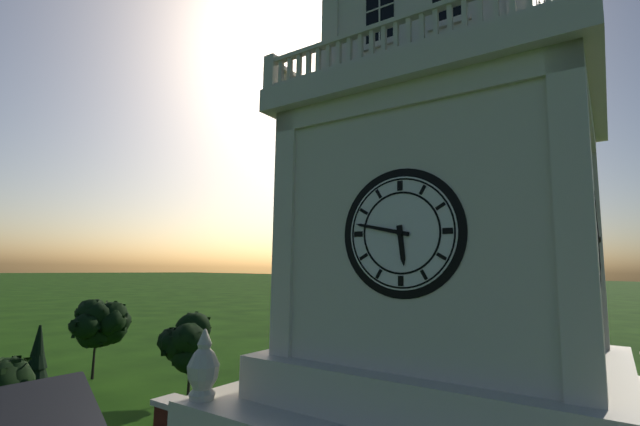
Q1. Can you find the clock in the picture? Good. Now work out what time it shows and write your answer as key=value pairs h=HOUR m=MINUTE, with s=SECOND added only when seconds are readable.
h=5 m=47
